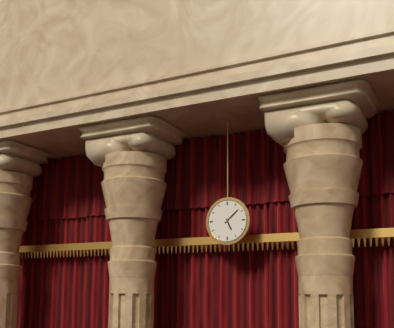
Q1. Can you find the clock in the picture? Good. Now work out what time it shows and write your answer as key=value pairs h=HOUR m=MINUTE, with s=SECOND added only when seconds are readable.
h=5 m=8
